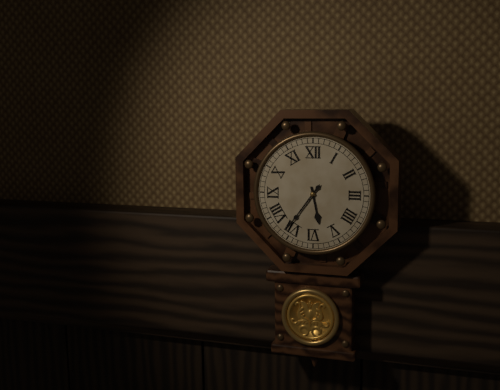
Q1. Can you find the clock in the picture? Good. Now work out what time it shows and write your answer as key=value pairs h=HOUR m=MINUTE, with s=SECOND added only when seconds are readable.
h=5 m=36
